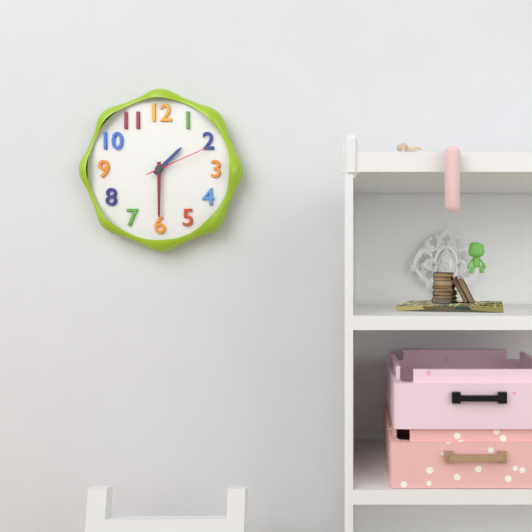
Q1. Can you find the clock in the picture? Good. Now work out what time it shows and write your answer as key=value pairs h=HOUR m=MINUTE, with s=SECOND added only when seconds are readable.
h=1 m=30 s=11
